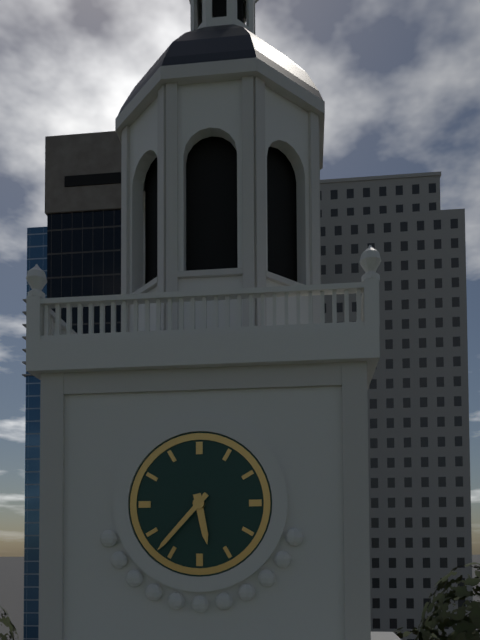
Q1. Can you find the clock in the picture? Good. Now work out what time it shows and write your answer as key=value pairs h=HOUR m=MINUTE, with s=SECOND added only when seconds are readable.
h=5 m=37
